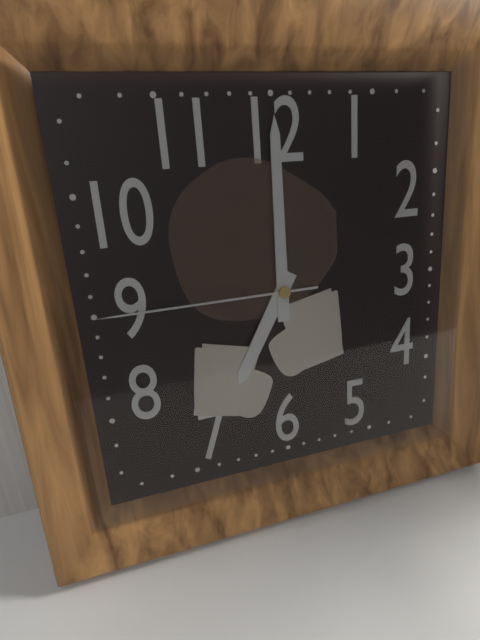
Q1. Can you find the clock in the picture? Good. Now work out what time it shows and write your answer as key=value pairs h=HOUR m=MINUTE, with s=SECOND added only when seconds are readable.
h=7 m=0 s=45
